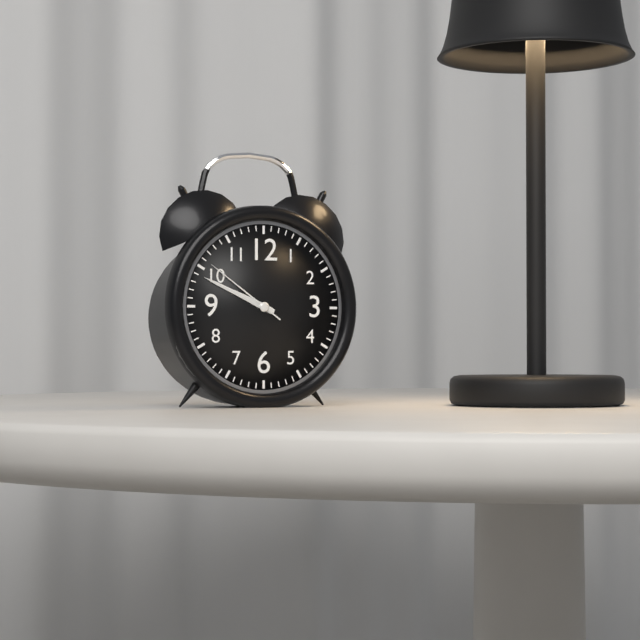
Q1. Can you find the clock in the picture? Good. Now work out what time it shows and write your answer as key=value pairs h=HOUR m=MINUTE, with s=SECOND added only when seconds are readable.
h=9 m=49 s=51
